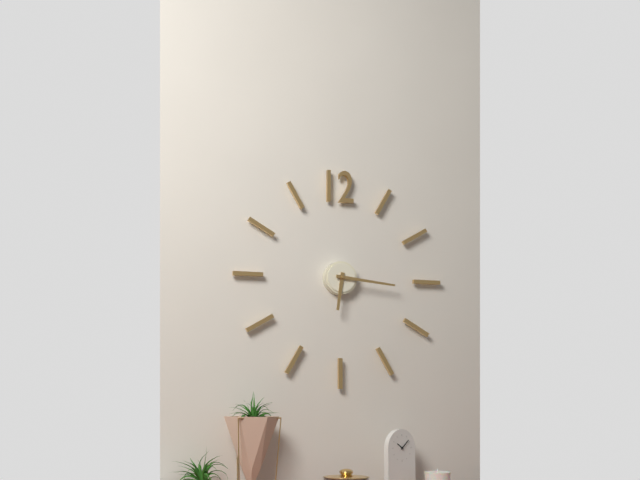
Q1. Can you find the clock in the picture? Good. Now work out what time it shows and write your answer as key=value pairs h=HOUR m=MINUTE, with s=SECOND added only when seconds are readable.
h=6 m=16
